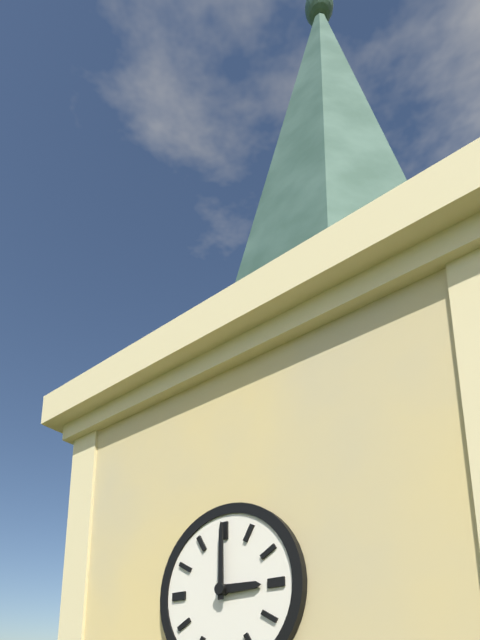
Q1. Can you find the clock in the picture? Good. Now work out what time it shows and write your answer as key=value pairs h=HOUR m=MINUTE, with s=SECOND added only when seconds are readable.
h=3 m=0
